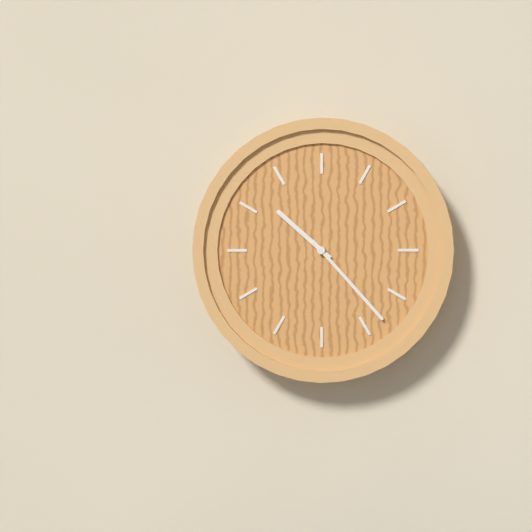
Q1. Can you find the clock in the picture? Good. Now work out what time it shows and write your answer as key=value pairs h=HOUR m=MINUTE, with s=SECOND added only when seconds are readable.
h=10 m=23
